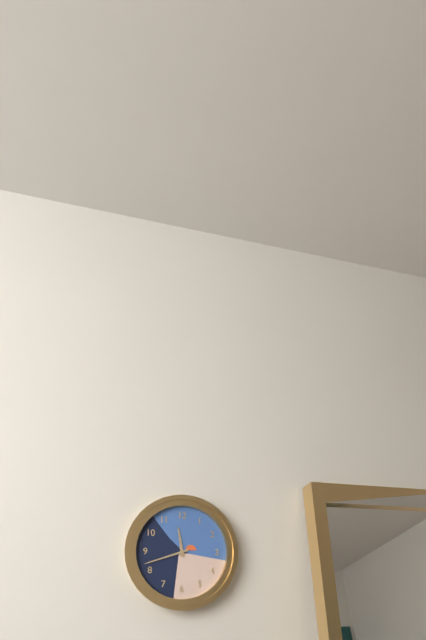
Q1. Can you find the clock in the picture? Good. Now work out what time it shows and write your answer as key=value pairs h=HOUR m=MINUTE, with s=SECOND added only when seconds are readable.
h=11 m=42
